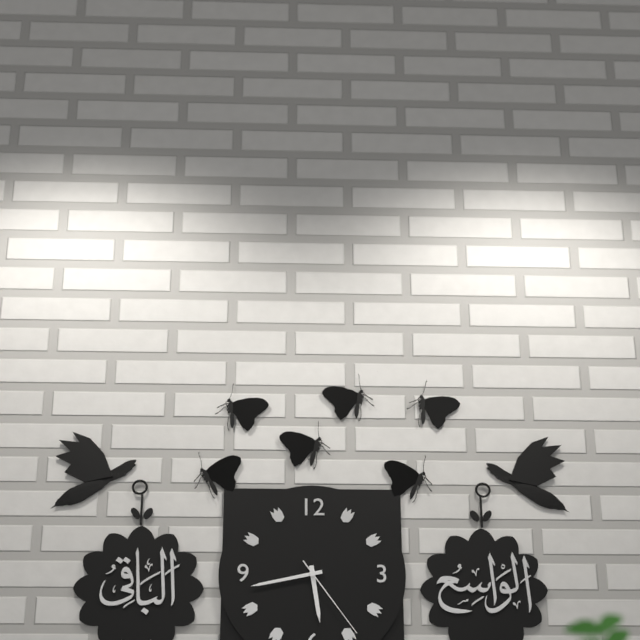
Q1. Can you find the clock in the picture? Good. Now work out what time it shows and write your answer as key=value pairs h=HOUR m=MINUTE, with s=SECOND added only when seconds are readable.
h=5 m=43 s=24
